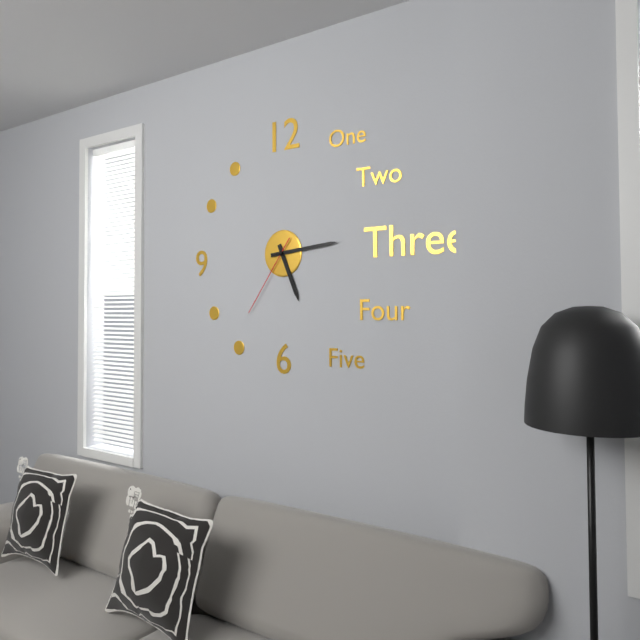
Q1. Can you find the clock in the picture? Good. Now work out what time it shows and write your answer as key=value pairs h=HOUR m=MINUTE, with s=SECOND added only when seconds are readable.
h=5 m=14 s=36
